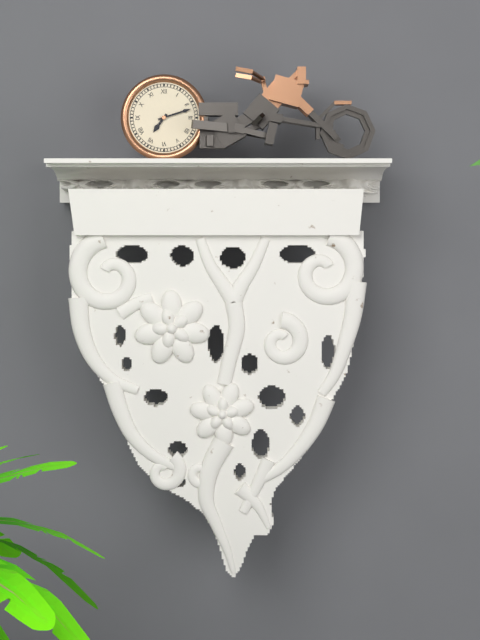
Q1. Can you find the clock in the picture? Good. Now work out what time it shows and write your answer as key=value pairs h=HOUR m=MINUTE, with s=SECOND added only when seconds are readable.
h=7 m=12
